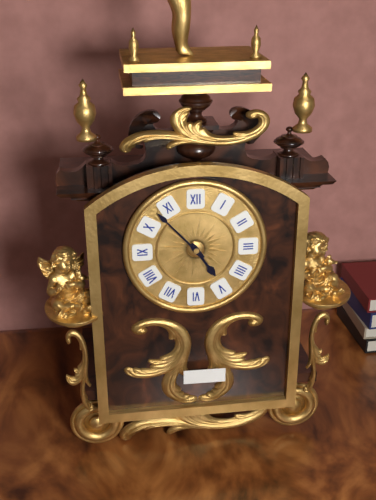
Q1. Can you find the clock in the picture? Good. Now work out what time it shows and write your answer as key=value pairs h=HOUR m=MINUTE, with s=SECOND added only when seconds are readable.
h=4 m=53
